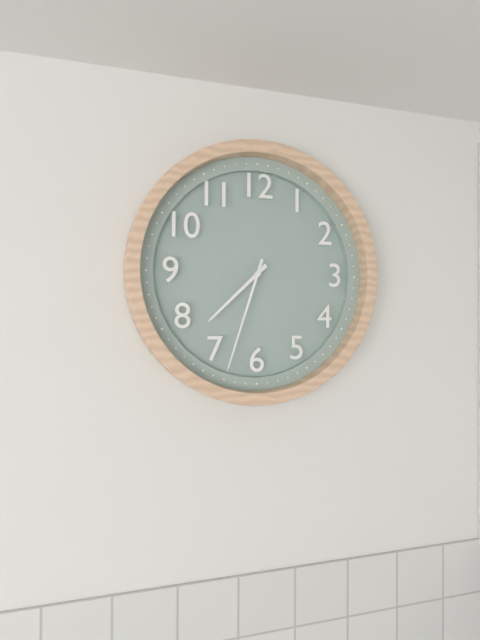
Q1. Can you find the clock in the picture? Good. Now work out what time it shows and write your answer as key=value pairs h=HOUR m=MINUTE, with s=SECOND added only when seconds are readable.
h=7 m=33
